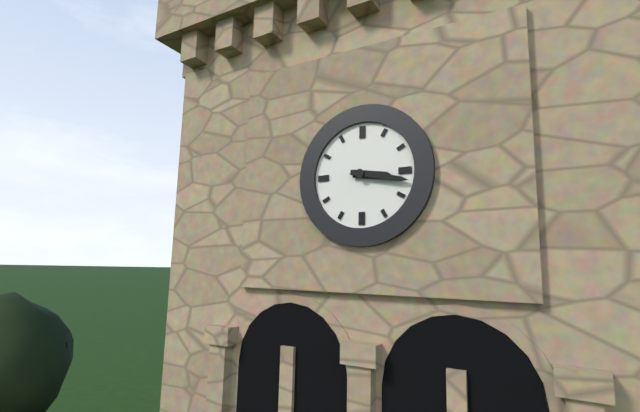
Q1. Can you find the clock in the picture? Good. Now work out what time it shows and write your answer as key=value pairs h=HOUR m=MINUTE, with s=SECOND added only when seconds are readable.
h=3 m=17
